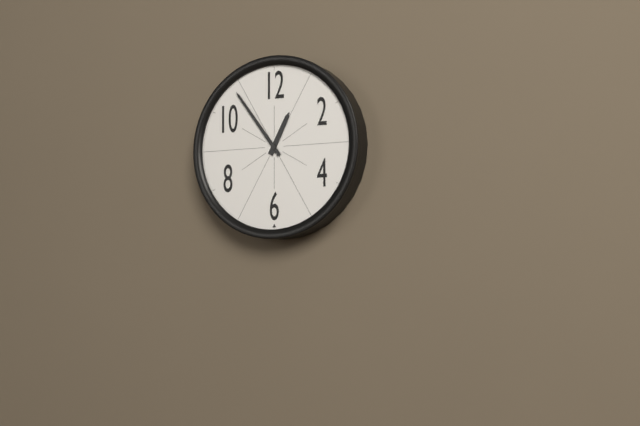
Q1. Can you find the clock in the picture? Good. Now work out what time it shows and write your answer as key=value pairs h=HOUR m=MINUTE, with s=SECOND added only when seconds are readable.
h=12 m=54
